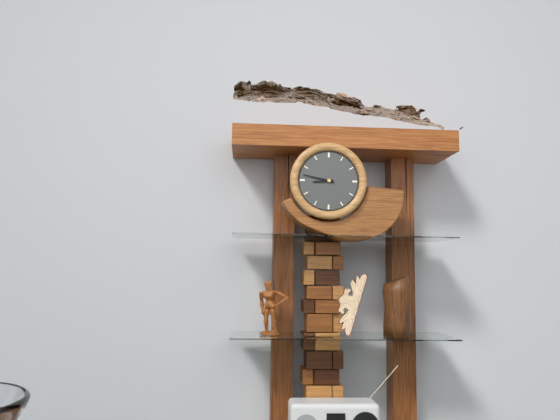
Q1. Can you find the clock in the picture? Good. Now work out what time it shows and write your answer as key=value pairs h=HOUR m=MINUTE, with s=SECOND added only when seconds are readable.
h=8 m=47
